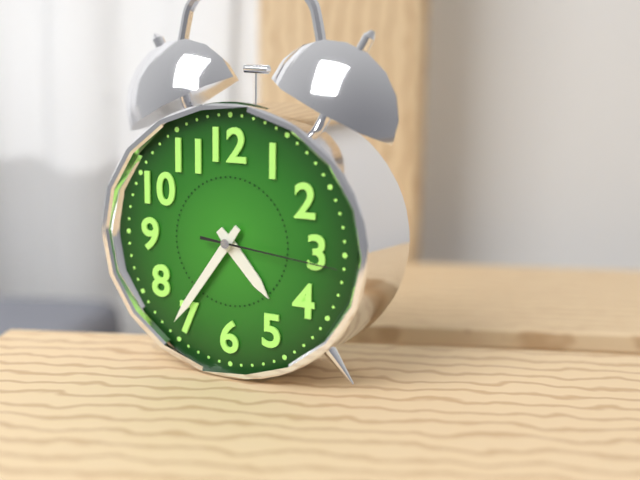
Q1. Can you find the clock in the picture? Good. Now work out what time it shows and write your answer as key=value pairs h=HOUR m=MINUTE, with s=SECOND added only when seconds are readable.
h=4 m=36 s=16
